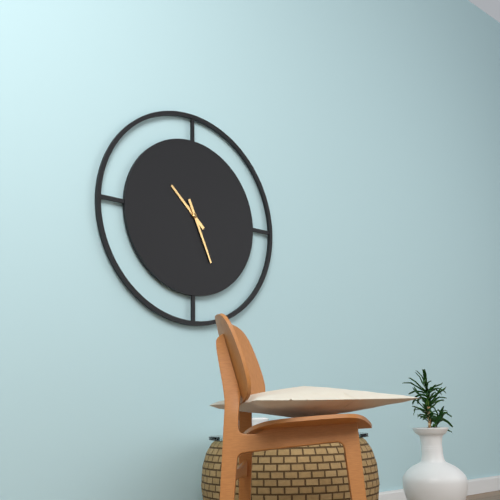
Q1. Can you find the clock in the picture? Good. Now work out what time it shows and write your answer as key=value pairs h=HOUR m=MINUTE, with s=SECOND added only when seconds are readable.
h=10 m=26
